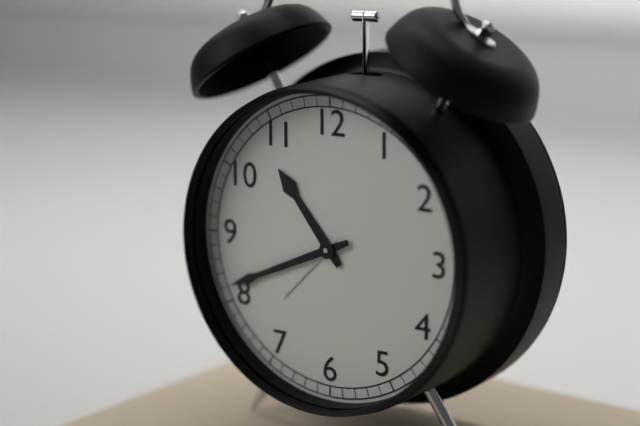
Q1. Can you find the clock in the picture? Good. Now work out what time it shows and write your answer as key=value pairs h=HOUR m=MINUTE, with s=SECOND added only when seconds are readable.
h=10 m=41
